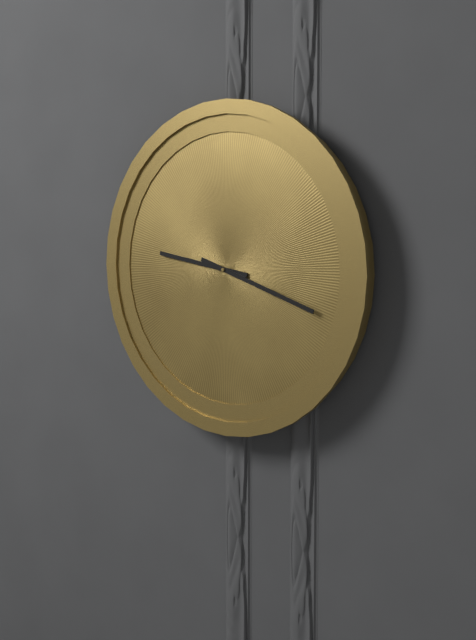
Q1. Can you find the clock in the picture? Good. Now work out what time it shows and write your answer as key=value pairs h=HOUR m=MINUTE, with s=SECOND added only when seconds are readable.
h=9 m=18
